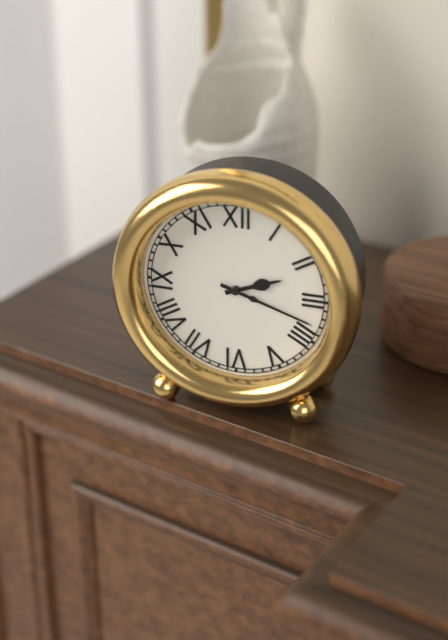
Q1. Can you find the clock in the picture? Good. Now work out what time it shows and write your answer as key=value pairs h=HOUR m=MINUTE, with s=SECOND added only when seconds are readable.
h=2 m=18
